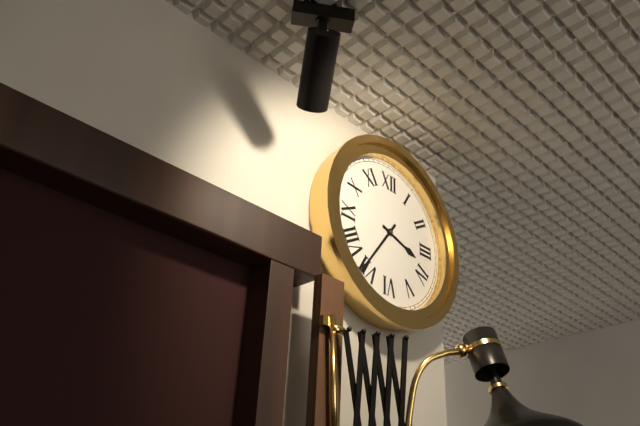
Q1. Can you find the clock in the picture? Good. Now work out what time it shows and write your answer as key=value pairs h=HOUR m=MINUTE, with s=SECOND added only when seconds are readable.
h=3 m=36
